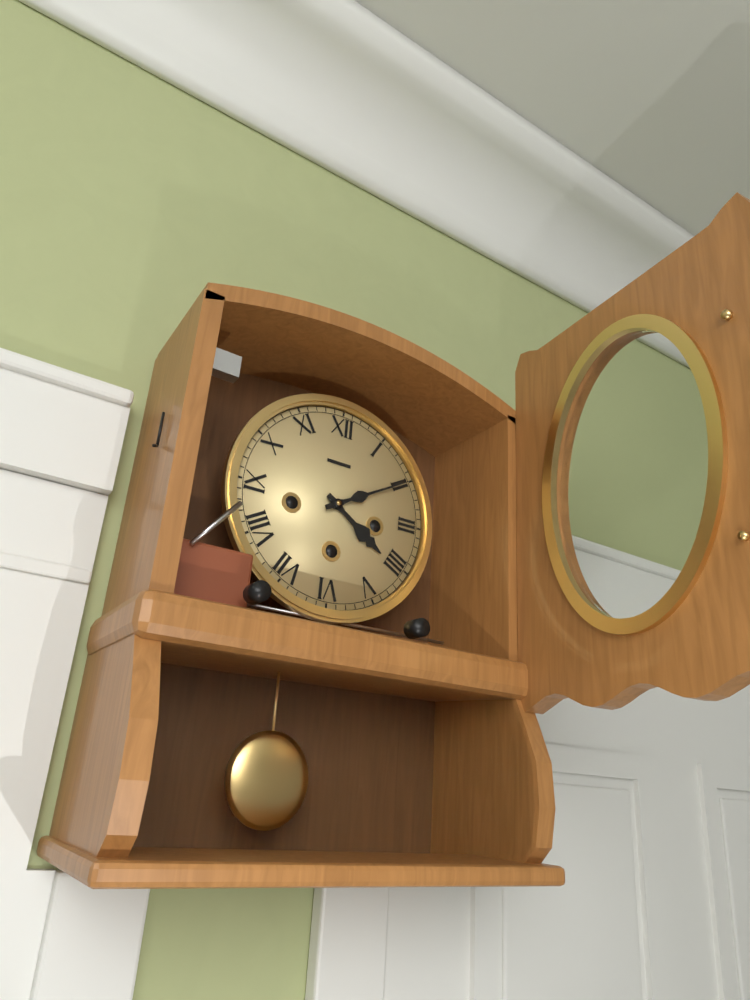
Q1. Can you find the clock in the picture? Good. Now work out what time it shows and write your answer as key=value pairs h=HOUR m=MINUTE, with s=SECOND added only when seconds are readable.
h=4 m=10
